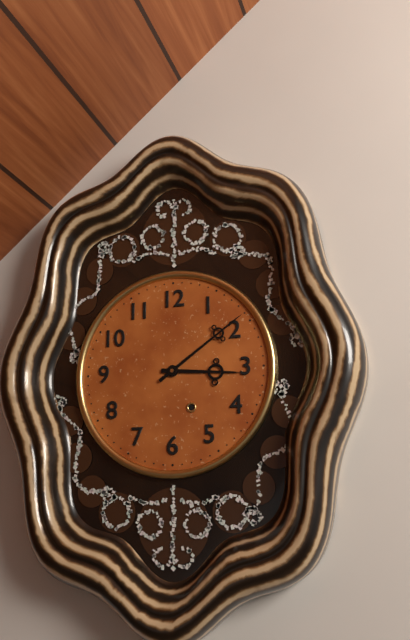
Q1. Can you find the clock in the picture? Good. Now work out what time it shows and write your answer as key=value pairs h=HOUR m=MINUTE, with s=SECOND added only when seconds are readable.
h=3 m=9
